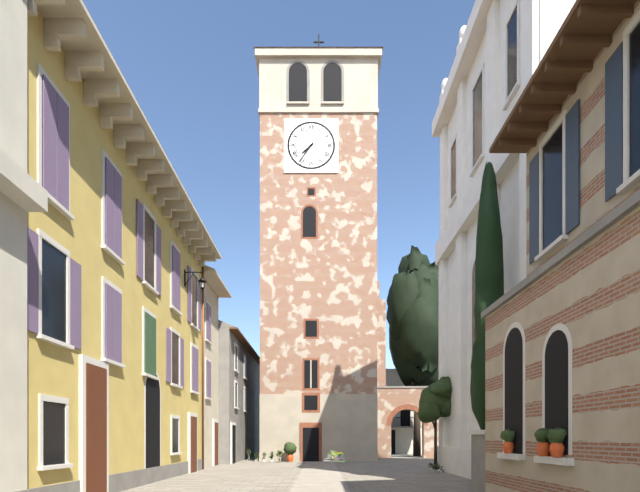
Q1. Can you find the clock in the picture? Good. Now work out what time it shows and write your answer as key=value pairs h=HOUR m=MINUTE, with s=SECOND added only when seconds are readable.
h=7 m=36
